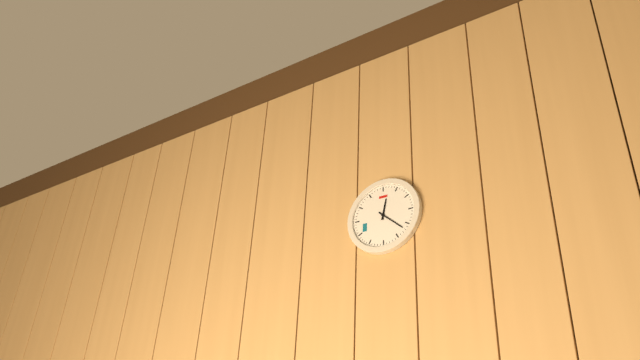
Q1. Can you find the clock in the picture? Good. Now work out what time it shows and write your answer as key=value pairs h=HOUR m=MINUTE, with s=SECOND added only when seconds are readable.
h=12 m=22
